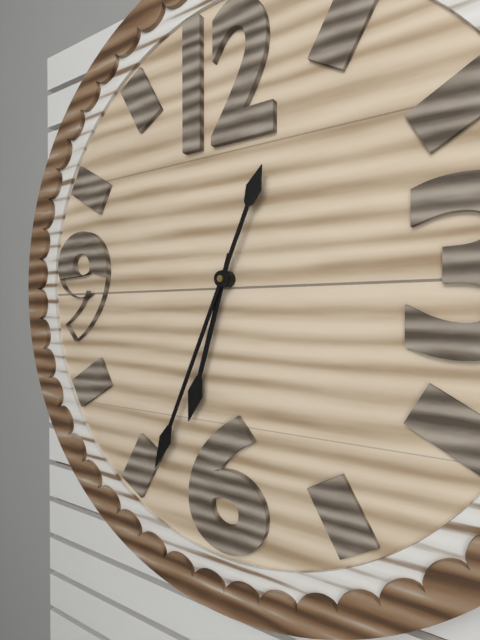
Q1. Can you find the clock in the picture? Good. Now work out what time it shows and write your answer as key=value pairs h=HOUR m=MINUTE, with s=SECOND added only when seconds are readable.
h=6 m=34
